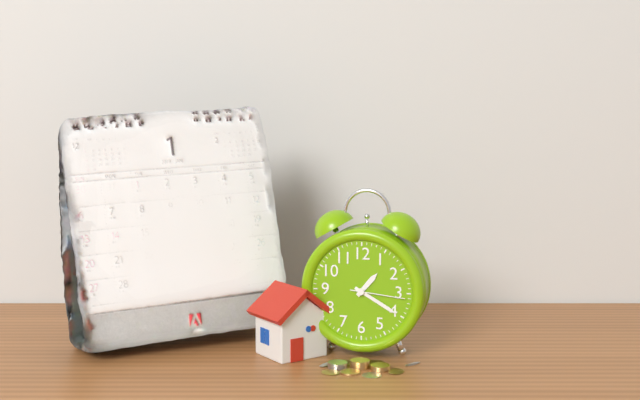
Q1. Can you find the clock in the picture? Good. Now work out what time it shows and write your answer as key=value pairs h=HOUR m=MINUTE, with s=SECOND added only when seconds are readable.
h=1 m=20 s=16
